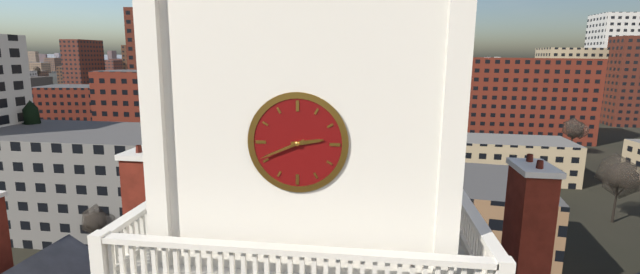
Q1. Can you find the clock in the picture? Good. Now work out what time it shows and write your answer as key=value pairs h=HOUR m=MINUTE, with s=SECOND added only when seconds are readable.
h=2 m=41
